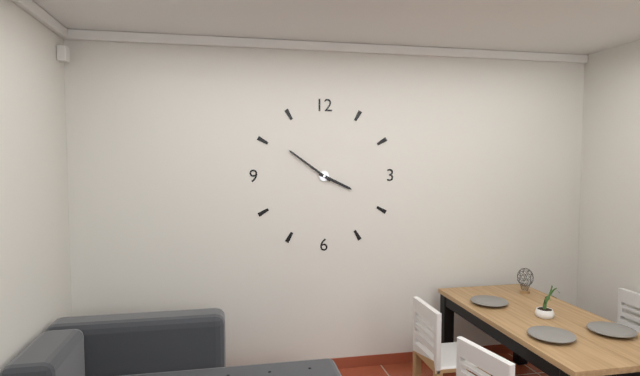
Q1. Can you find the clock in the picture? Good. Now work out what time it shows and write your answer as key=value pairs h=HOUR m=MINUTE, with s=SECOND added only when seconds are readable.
h=3 m=51
